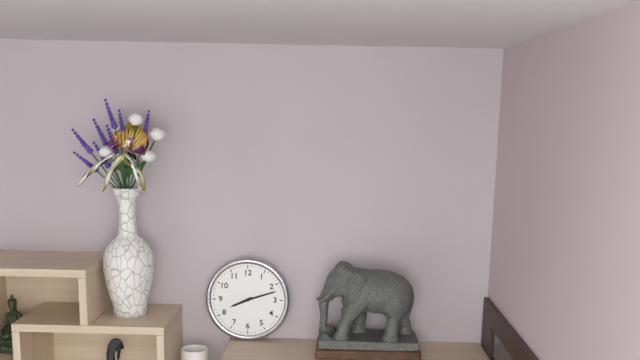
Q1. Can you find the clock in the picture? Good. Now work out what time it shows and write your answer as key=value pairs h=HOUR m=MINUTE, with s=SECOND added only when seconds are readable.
h=8 m=12
